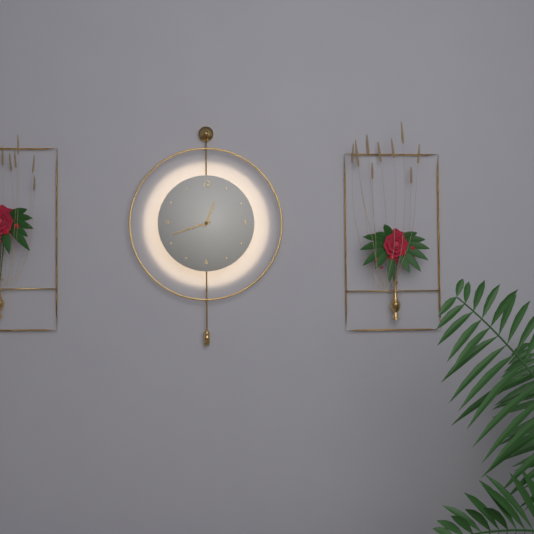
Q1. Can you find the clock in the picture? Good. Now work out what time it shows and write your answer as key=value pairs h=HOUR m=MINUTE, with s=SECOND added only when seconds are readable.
h=12 m=42
